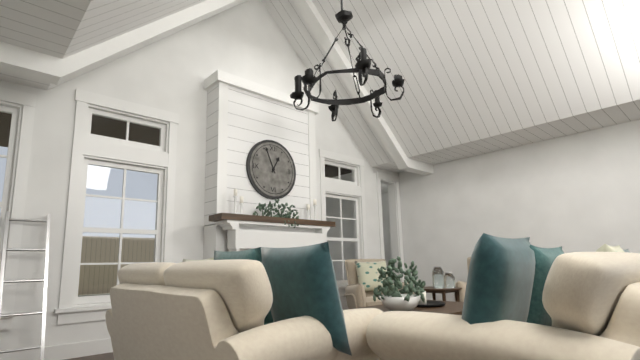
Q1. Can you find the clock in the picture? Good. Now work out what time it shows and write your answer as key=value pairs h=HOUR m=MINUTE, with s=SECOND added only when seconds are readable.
h=12 m=56
